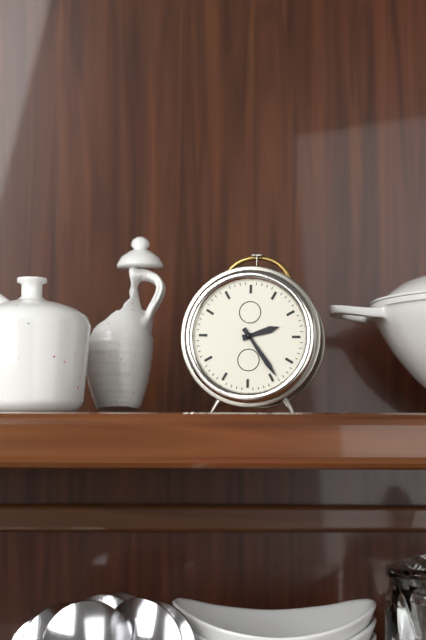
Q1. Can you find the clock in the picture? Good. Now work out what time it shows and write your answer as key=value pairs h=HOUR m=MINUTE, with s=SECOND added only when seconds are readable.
h=2 m=24
